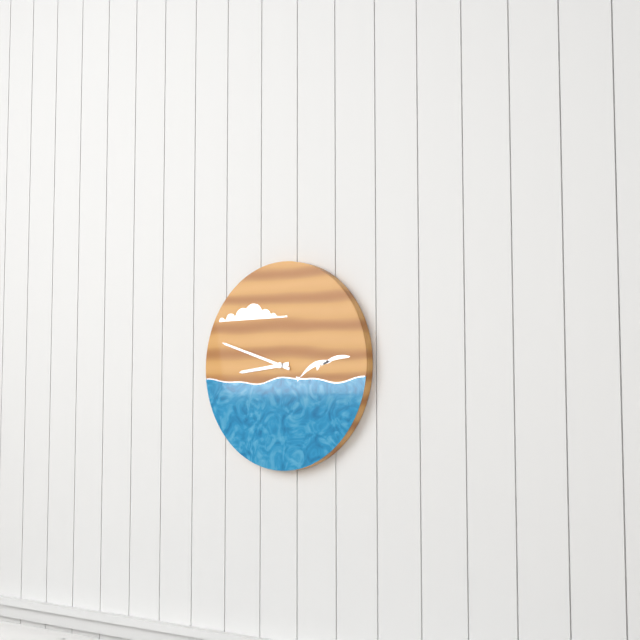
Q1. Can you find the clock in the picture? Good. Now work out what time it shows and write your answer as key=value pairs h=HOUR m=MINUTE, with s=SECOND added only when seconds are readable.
h=8 m=48
